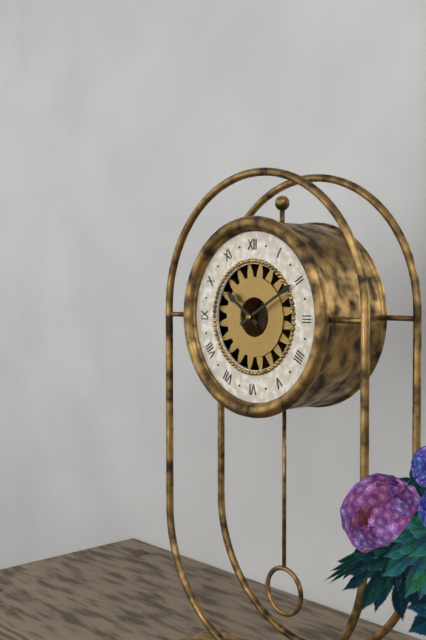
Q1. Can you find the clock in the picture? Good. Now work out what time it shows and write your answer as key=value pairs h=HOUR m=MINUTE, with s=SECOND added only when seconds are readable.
h=10 m=10
